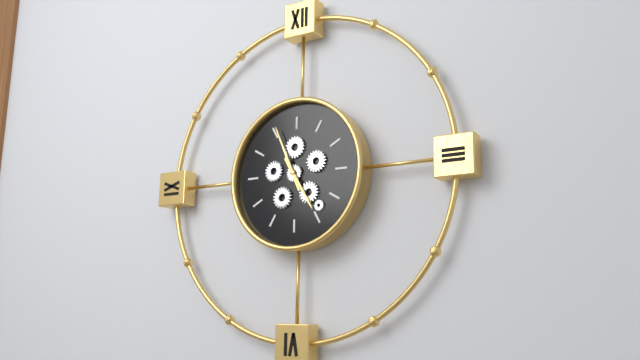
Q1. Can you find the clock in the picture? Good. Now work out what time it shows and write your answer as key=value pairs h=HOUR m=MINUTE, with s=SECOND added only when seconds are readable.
h=4 m=56
